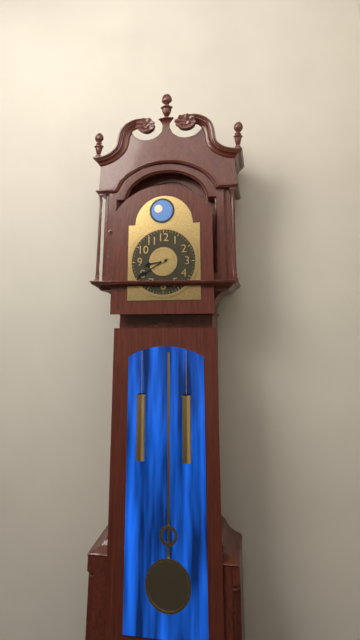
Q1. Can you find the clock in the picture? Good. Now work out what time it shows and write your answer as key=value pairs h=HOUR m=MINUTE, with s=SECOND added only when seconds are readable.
h=8 m=40
